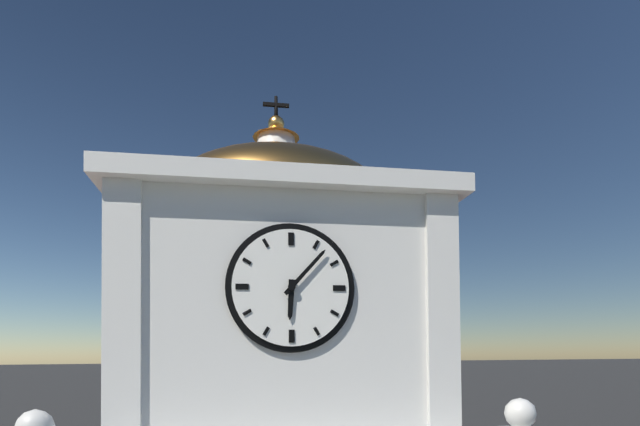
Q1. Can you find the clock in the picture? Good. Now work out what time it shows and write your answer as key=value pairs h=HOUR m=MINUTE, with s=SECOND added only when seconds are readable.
h=6 m=7
